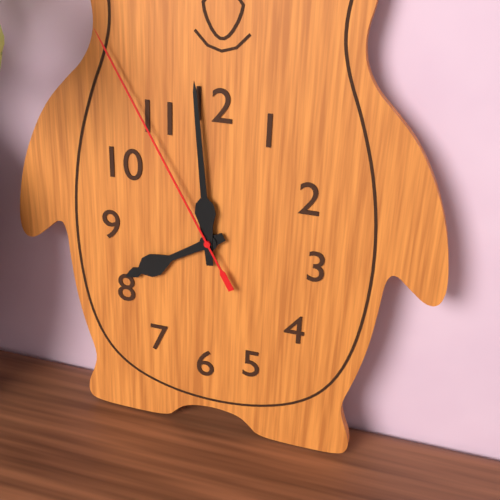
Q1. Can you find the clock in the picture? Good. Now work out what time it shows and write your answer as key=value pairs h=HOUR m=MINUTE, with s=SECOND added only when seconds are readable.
h=7 m=59 s=55
